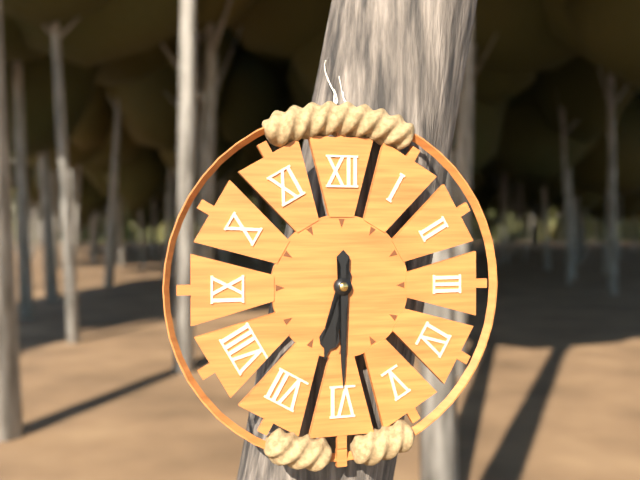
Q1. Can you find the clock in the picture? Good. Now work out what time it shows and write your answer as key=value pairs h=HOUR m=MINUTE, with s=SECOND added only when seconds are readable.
h=6 m=30
